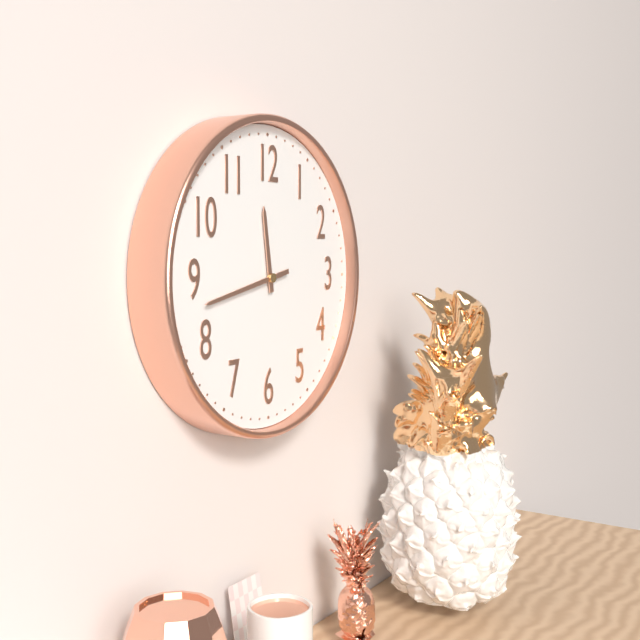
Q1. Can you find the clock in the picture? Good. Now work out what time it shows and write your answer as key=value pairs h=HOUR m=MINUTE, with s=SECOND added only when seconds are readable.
h=11 m=43
